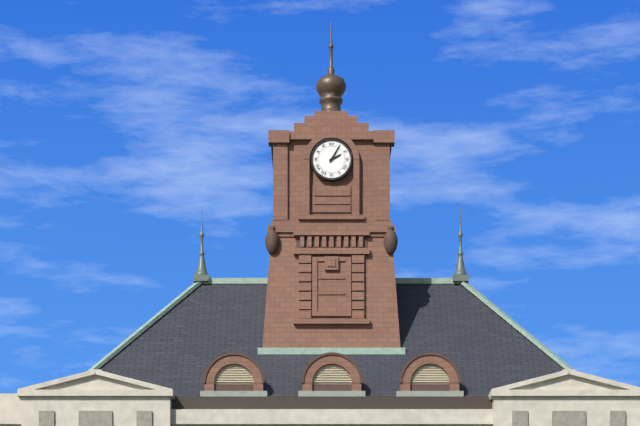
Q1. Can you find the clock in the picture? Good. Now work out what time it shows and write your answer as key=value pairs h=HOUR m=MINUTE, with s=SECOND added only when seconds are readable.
h=2 m=5
